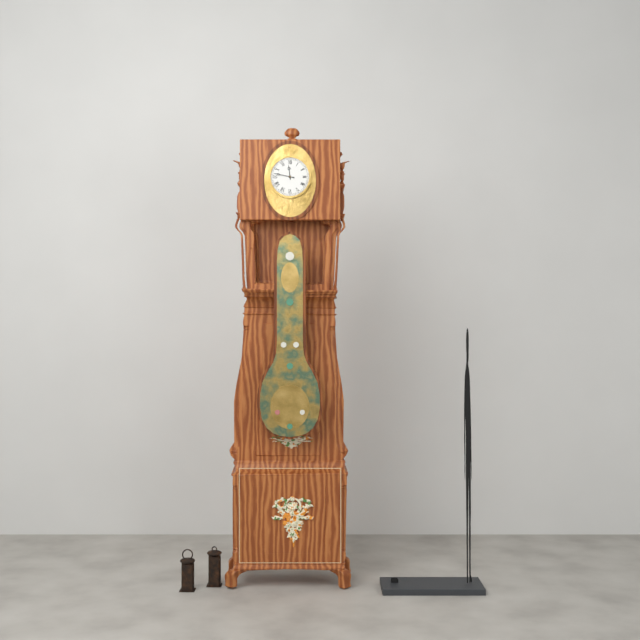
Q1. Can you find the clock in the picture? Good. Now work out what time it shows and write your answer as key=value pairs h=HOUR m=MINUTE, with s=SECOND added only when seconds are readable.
h=11 m=47
